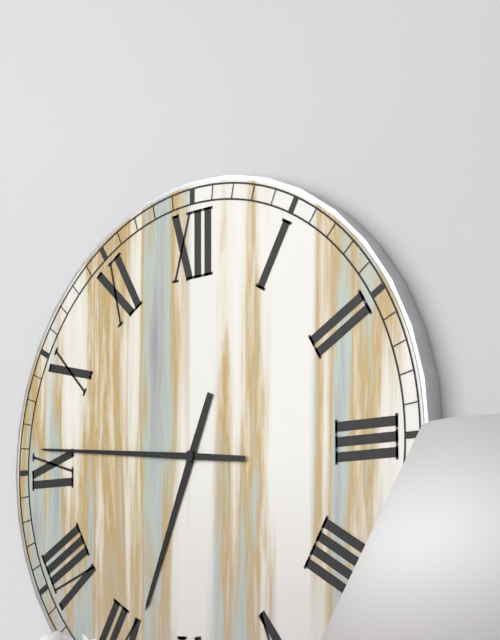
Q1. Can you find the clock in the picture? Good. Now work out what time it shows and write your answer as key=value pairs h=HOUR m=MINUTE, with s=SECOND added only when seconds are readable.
h=6 m=46
